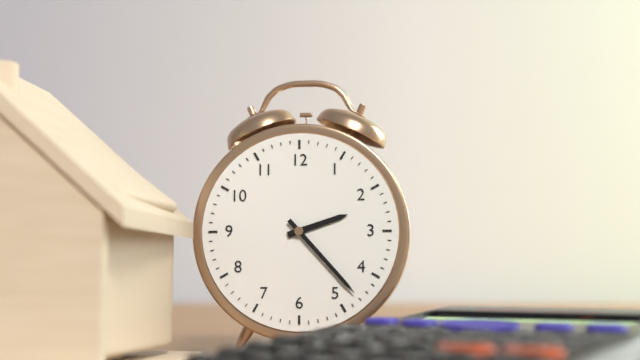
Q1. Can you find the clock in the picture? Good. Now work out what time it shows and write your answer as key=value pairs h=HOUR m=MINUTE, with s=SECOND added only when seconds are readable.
h=2 m=23
